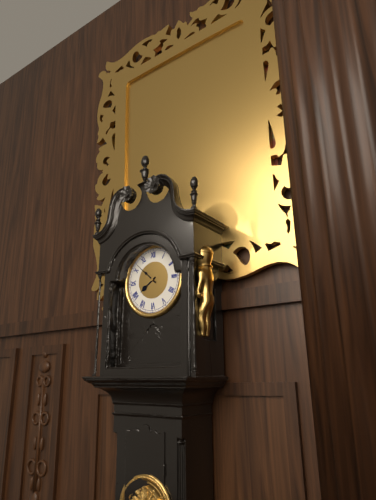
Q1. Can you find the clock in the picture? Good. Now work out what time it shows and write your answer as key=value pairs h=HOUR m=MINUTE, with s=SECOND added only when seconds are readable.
h=7 m=52
